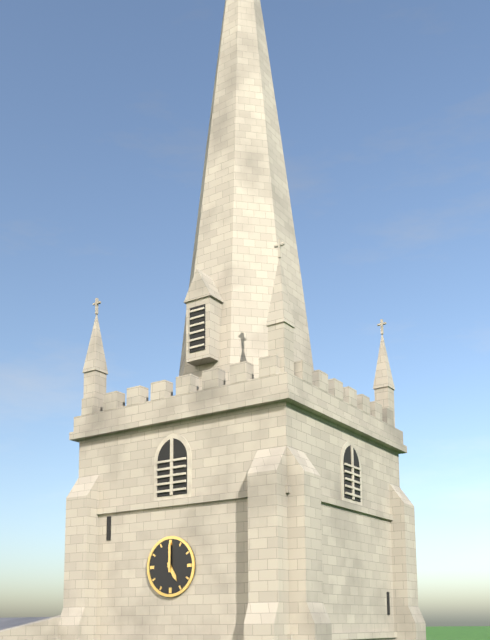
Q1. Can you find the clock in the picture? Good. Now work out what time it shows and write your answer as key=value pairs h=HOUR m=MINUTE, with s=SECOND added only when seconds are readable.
h=5 m=0
